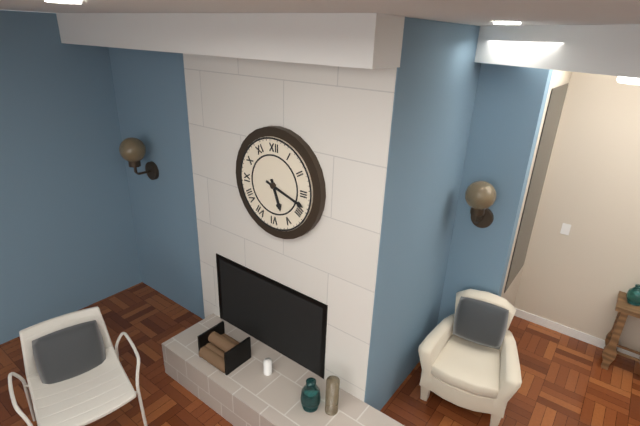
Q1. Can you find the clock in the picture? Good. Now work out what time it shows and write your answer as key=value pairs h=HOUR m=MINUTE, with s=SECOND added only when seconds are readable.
h=5 m=18
